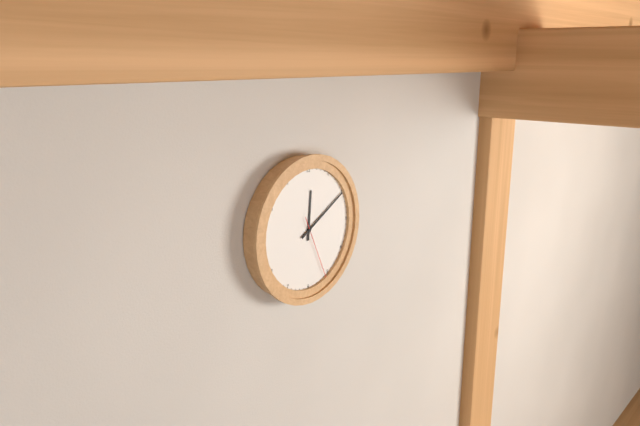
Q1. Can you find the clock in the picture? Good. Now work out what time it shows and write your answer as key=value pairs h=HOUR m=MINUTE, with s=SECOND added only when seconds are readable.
h=12 m=10 s=26
